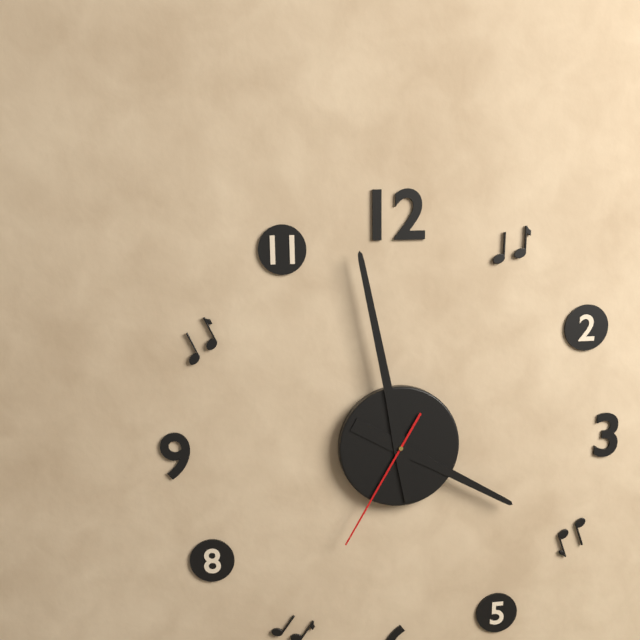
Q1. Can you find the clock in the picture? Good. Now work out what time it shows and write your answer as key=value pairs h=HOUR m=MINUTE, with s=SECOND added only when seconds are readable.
h=3 m=58 s=35
